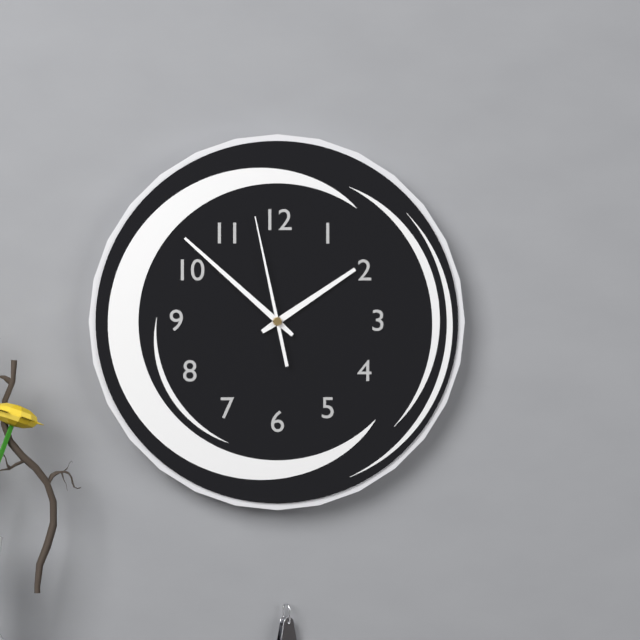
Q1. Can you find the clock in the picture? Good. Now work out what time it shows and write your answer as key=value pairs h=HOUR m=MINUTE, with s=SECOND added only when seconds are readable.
h=1 m=52 s=58
